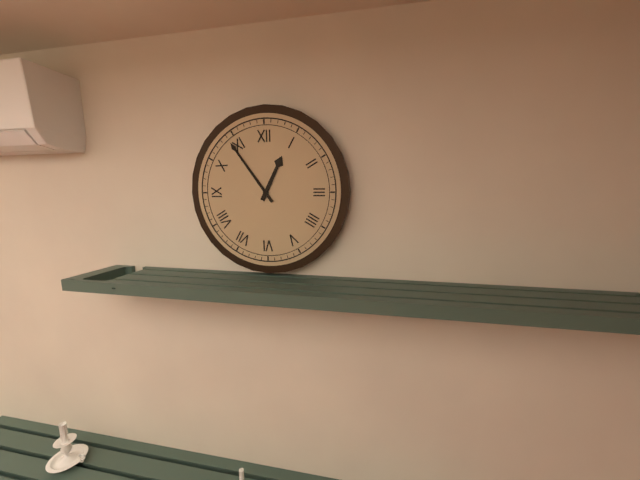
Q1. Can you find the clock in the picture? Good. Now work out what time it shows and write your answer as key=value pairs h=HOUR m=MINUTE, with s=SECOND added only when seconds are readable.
h=12 m=54
